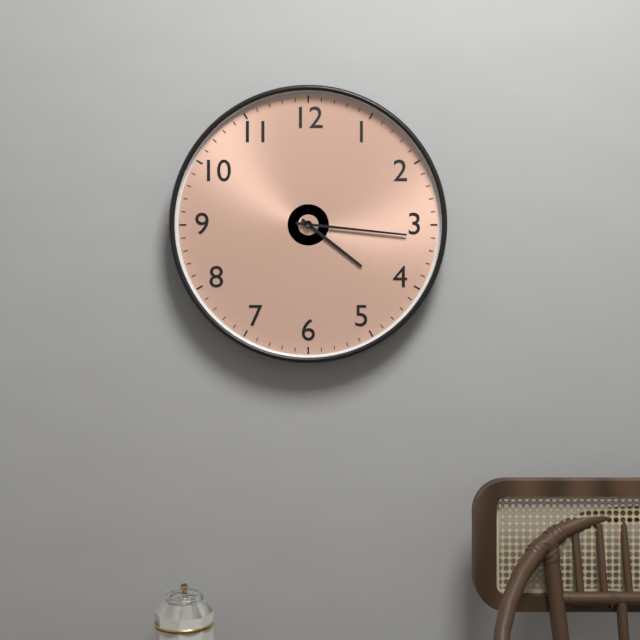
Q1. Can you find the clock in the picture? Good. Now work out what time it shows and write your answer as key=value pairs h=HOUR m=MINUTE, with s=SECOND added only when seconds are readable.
h=4 m=16
